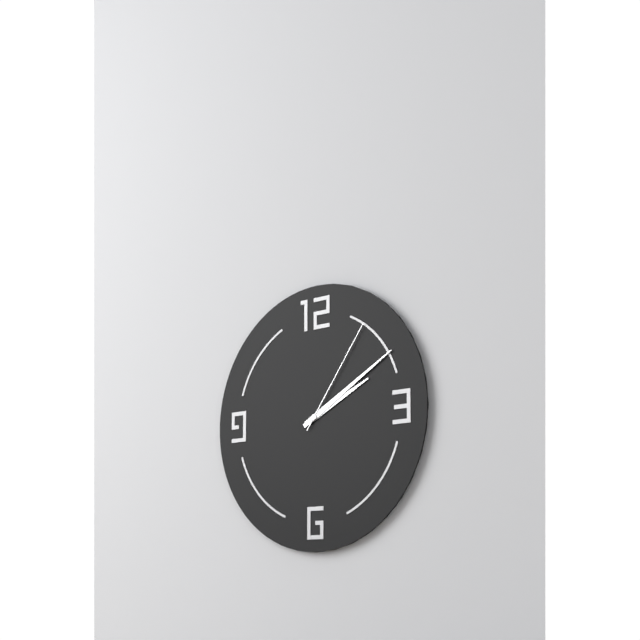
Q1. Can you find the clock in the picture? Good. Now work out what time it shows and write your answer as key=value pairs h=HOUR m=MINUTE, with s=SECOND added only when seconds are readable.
h=2 m=10 s=6
